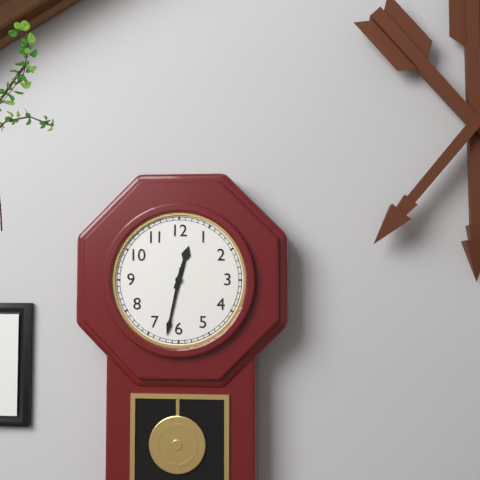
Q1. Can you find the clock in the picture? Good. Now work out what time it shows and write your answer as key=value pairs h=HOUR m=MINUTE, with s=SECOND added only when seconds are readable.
h=12 m=32
